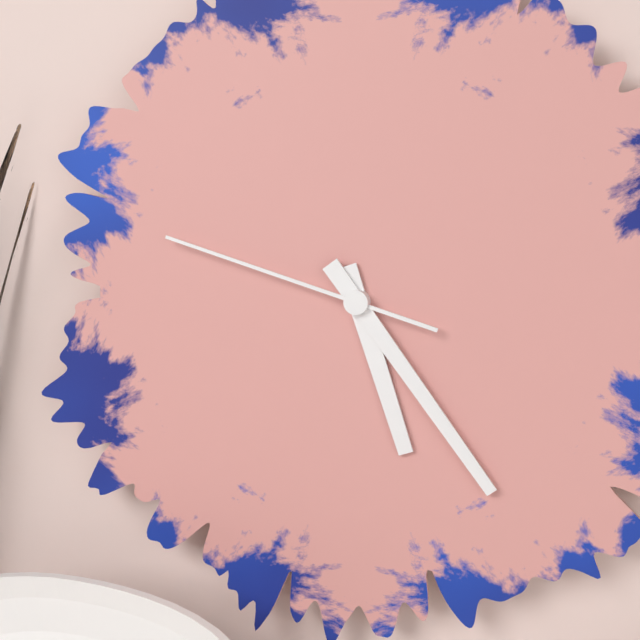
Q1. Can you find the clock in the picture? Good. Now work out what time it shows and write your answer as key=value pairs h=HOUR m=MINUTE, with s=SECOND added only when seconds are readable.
h=5 m=24 s=48
